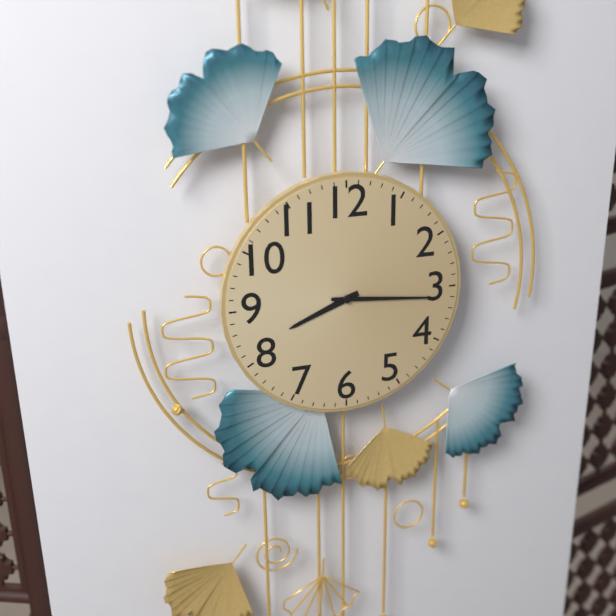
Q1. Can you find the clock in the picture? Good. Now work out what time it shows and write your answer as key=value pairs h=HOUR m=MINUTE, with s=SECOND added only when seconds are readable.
h=8 m=16
